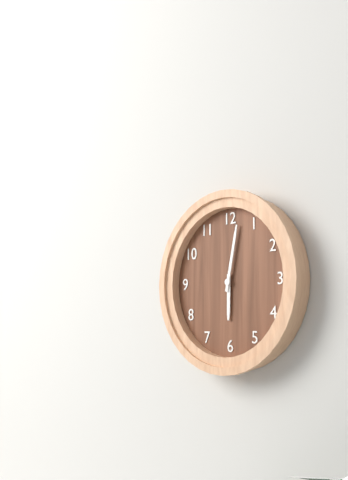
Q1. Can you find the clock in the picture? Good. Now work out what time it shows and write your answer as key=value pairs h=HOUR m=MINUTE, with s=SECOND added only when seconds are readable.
h=6 m=2
